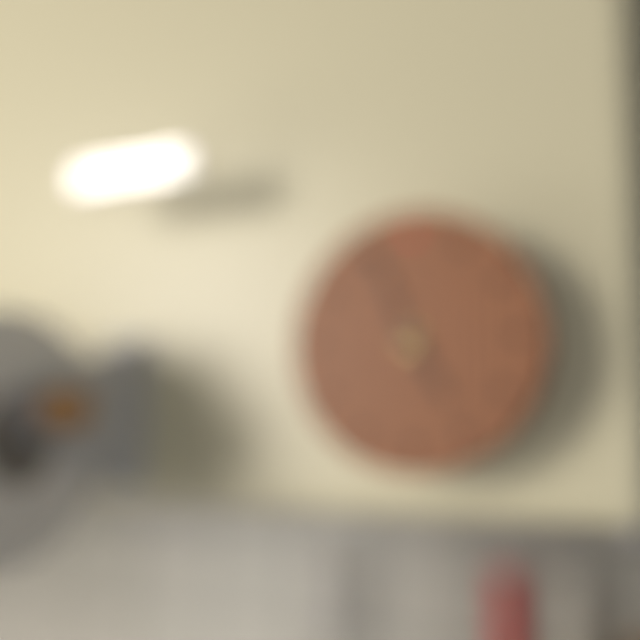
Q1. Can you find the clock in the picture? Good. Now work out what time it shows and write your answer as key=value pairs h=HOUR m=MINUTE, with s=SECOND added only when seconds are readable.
h=4 m=56
